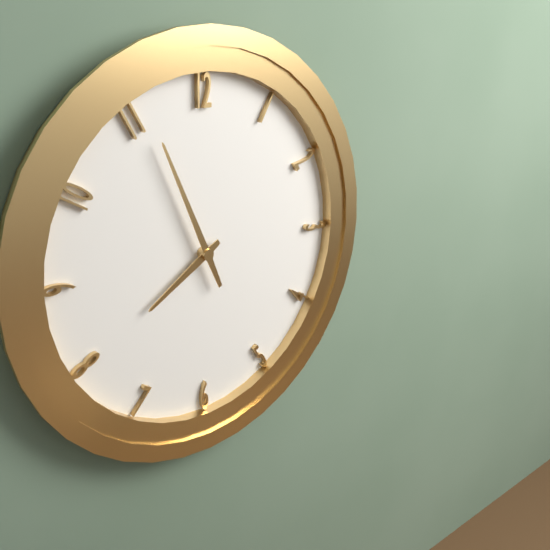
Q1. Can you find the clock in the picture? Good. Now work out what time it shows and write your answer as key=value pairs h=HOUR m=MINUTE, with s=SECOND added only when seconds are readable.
h=7 m=56
